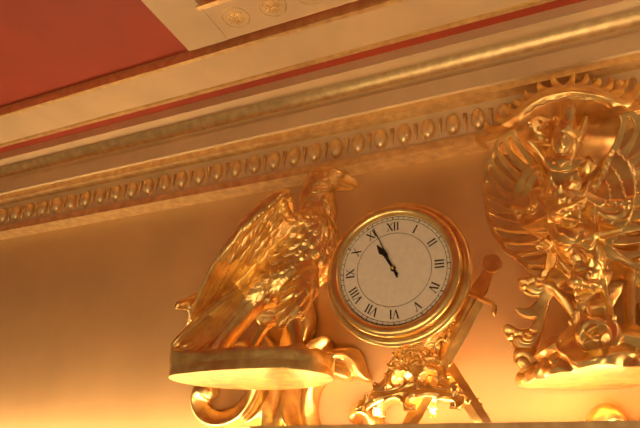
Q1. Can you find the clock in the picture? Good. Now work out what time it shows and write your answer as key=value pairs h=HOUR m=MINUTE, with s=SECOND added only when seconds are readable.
h=10 m=56
